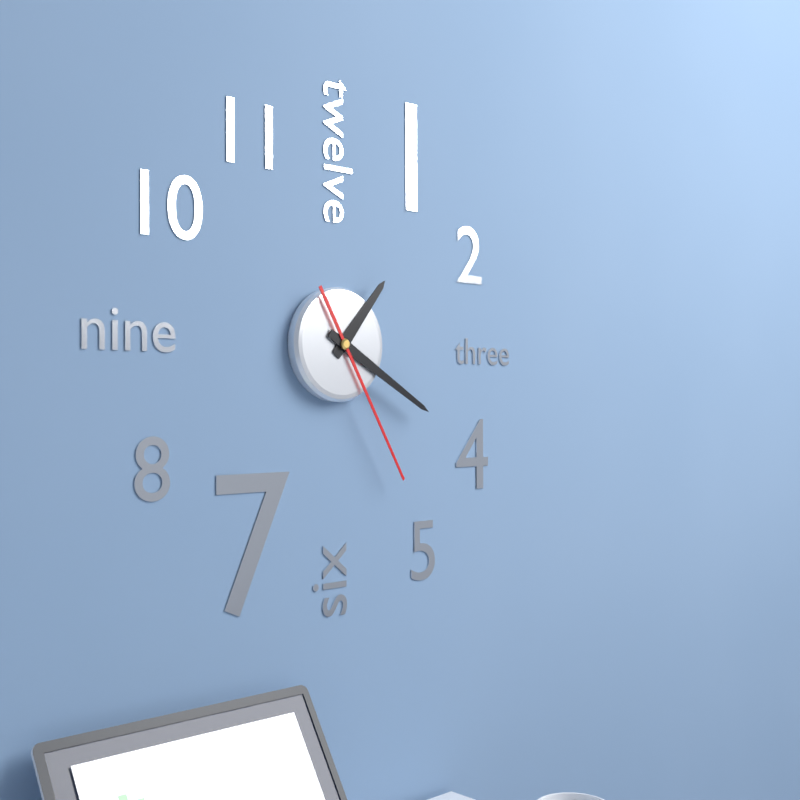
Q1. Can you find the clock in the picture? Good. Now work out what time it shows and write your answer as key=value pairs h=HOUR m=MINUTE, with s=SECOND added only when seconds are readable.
h=1 m=20 s=25
